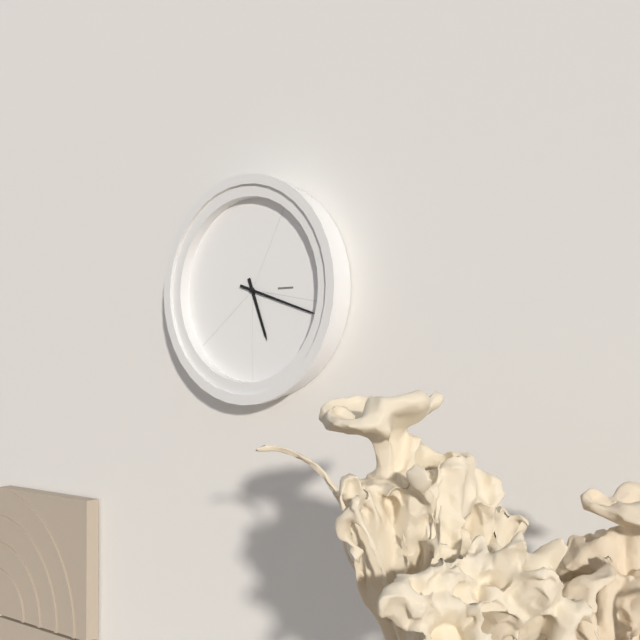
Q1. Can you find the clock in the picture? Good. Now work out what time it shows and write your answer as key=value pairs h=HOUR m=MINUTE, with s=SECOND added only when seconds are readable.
h=5 m=18
